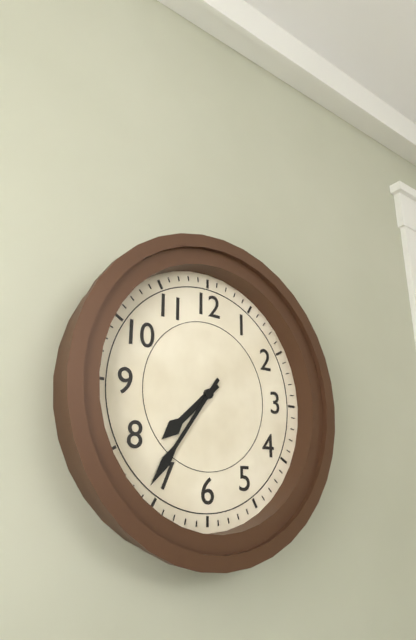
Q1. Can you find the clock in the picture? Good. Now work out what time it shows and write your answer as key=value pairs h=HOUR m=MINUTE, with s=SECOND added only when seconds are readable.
h=7 m=36
